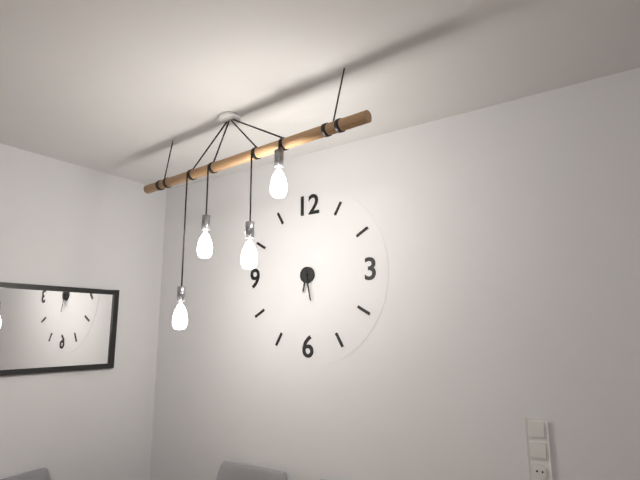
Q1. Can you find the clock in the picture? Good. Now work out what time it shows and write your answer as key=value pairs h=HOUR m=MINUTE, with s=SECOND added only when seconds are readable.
h=6 m=28
